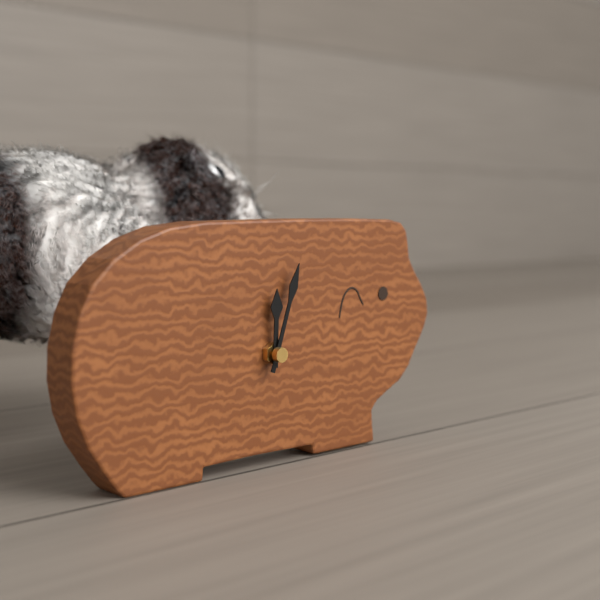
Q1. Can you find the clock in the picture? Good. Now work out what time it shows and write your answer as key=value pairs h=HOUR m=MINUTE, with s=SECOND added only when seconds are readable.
h=12 m=3
